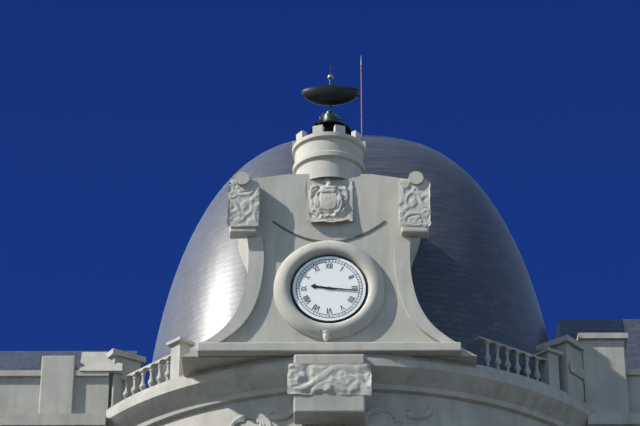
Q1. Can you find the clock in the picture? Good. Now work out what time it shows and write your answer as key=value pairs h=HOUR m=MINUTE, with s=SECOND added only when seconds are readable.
h=9 m=16
